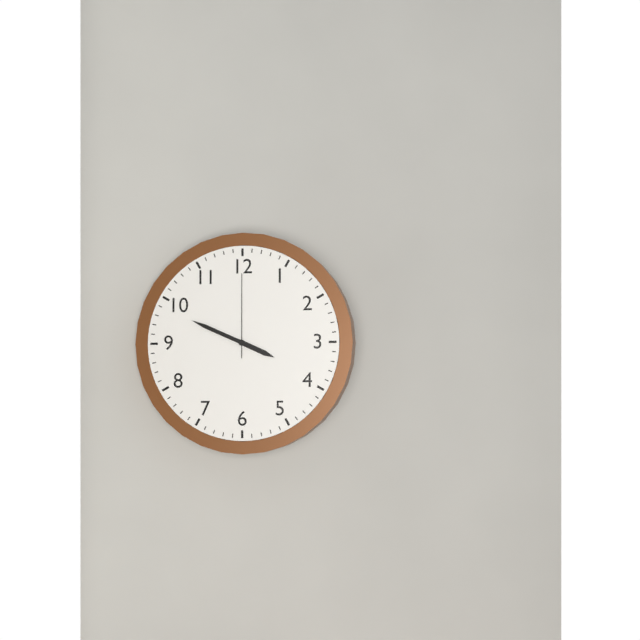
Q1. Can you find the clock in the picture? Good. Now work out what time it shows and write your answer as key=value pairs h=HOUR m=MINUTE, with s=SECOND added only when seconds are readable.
h=3 m=49 s=0
